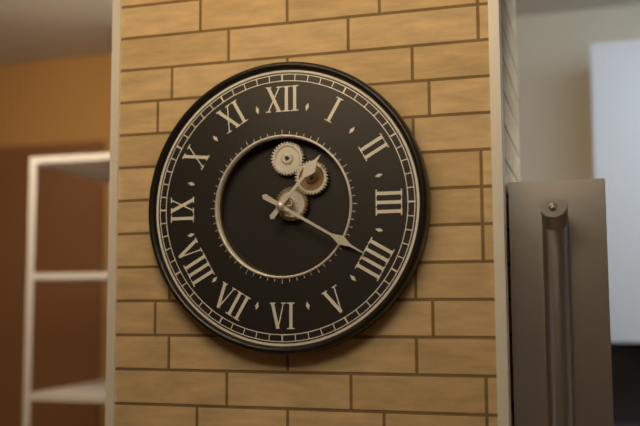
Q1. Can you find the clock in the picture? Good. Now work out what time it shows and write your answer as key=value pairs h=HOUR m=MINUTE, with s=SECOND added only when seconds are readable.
h=1 m=20
